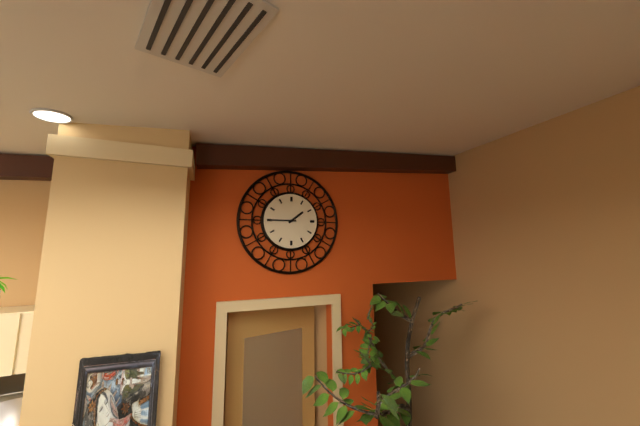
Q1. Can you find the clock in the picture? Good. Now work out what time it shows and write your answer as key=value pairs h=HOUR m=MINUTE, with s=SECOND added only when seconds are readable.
h=1 m=45
